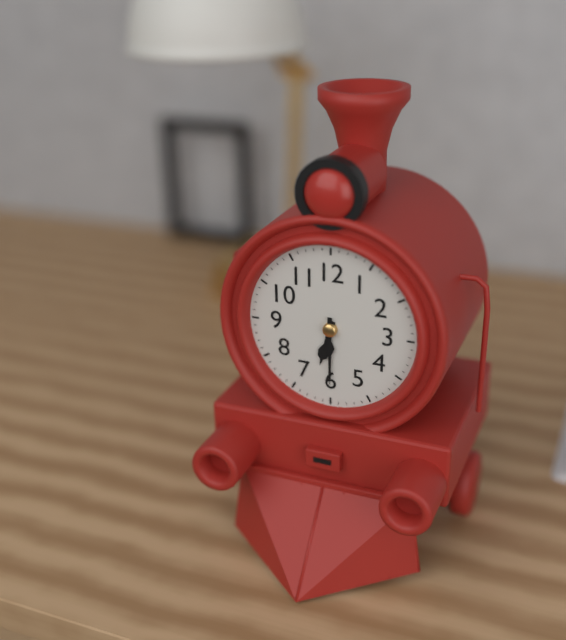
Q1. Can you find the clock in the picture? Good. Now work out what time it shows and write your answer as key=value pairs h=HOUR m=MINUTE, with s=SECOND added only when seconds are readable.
h=6 m=30
